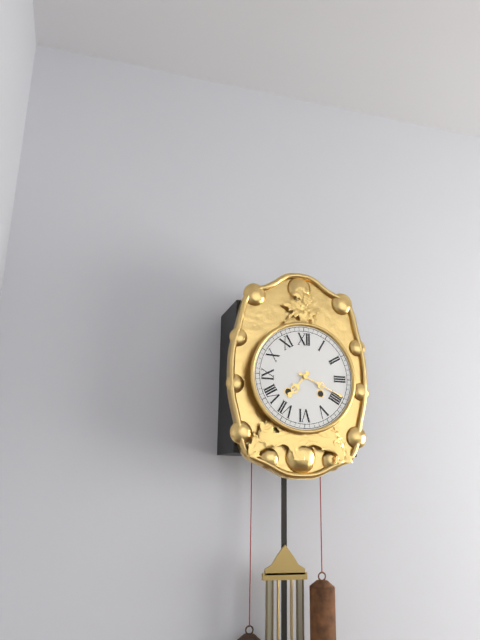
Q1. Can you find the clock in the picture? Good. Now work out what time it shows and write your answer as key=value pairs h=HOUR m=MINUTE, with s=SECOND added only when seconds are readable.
h=7 m=19
